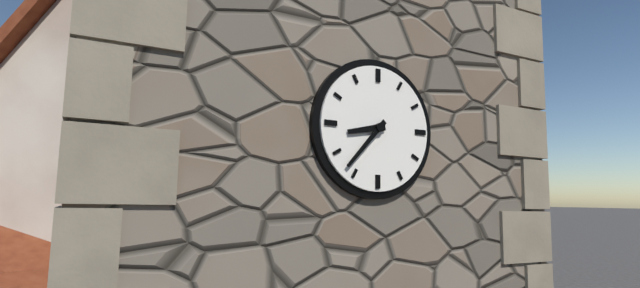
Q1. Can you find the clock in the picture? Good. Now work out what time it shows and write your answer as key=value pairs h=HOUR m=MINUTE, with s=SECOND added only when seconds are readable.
h=8 m=37
